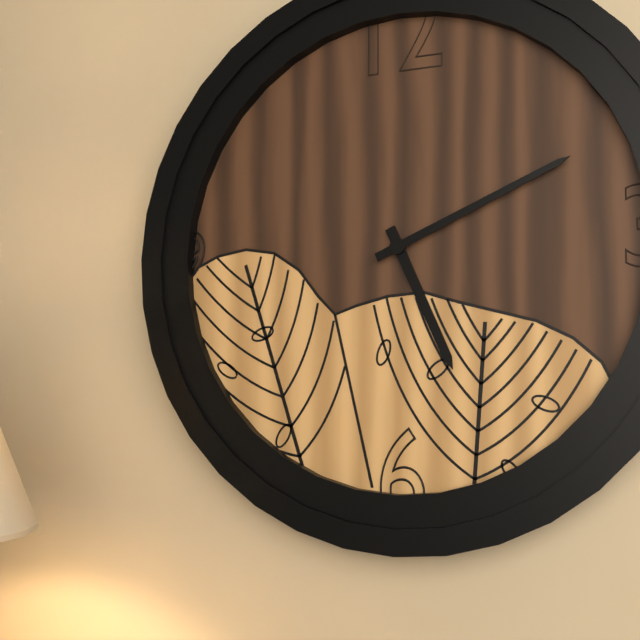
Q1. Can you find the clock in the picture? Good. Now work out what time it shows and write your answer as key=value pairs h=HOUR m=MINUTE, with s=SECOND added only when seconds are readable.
h=5 m=11
